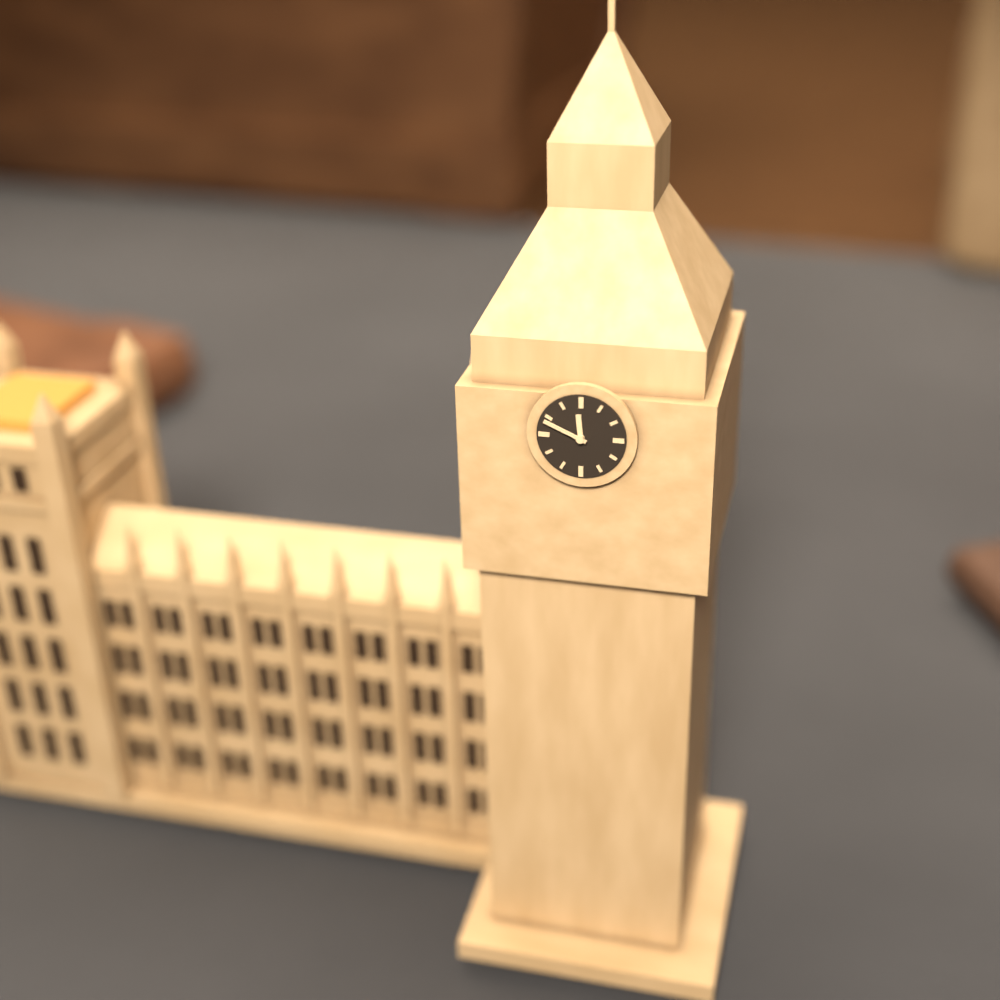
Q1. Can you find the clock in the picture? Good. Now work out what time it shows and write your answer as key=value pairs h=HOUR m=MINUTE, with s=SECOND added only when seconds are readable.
h=11 m=49
